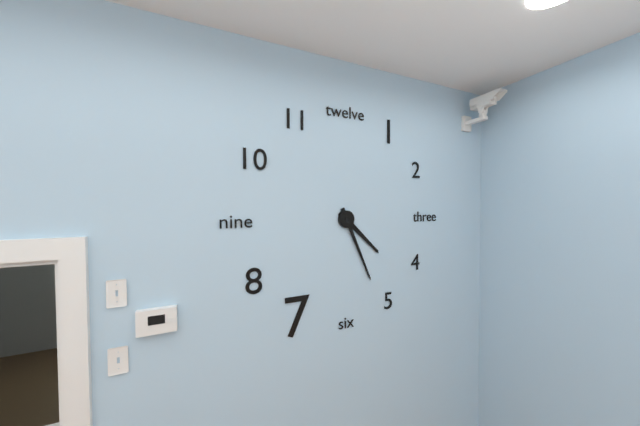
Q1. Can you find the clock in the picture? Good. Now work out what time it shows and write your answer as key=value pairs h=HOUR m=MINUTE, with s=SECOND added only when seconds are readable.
h=4 m=26
